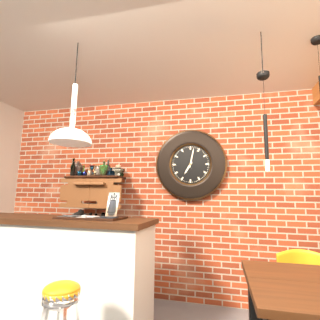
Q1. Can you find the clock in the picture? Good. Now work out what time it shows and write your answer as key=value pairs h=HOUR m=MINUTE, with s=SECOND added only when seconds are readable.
h=7 m=2
